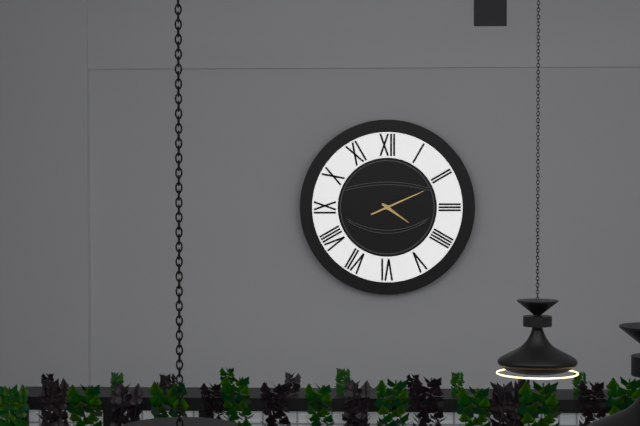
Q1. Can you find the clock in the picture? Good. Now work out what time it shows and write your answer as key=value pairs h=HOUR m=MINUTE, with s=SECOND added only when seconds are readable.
h=4 m=11
